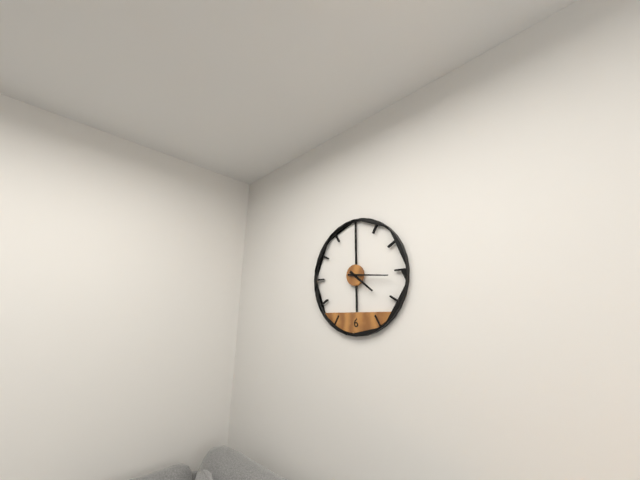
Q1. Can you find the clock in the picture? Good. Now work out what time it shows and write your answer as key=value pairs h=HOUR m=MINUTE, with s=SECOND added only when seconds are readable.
h=4 m=16
